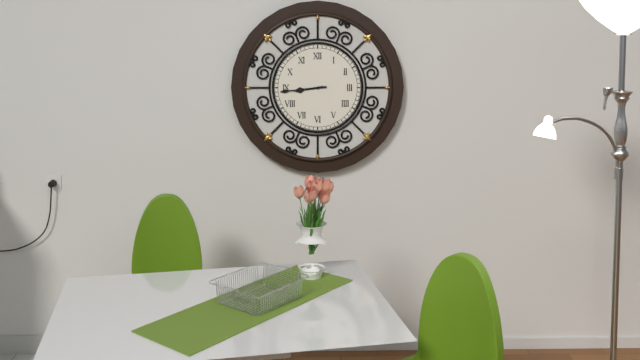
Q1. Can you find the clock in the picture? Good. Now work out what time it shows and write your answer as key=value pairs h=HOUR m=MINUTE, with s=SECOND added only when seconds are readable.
h=8 m=44
